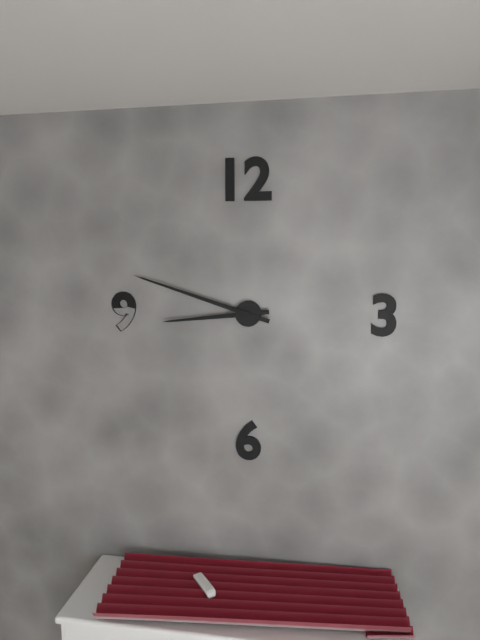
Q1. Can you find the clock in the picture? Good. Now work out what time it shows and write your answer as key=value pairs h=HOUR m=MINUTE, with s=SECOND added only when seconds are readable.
h=8 m=48
